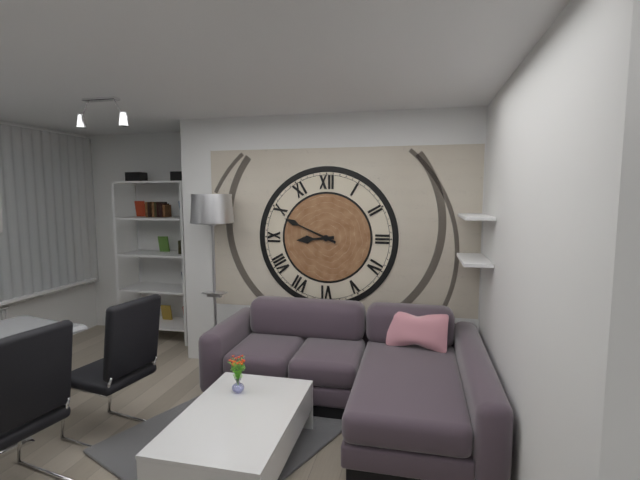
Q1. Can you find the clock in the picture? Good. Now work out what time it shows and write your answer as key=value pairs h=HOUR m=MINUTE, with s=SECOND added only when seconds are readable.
h=8 m=49
